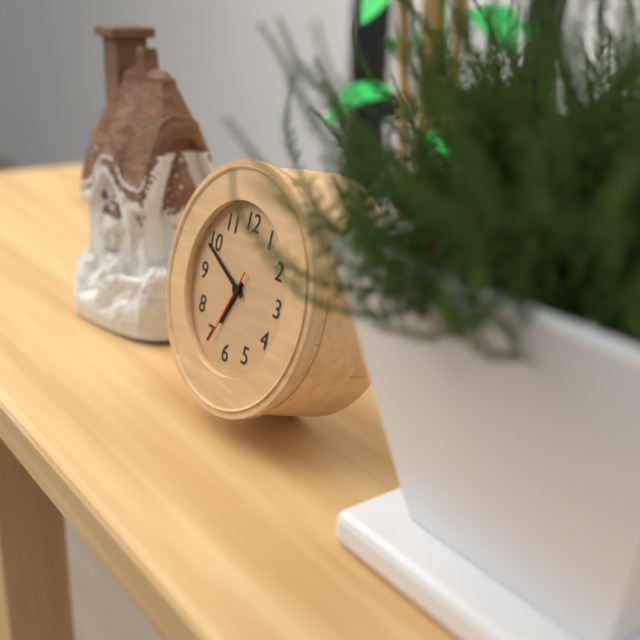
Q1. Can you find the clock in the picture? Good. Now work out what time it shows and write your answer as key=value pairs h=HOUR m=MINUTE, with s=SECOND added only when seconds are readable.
h=6 m=49 s=34
